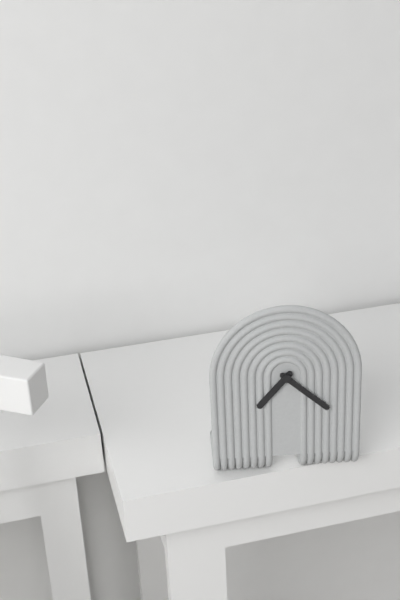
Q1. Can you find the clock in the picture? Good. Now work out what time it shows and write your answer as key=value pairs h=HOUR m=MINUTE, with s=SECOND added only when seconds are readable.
h=7 m=22
